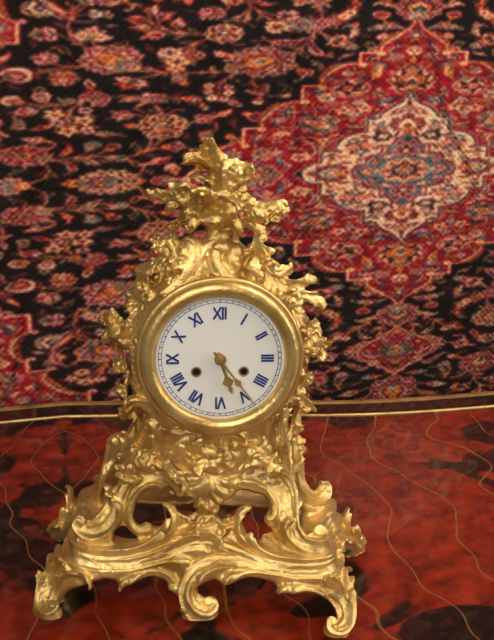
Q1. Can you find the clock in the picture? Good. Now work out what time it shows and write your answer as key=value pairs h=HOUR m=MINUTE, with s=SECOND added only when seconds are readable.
h=5 m=24
